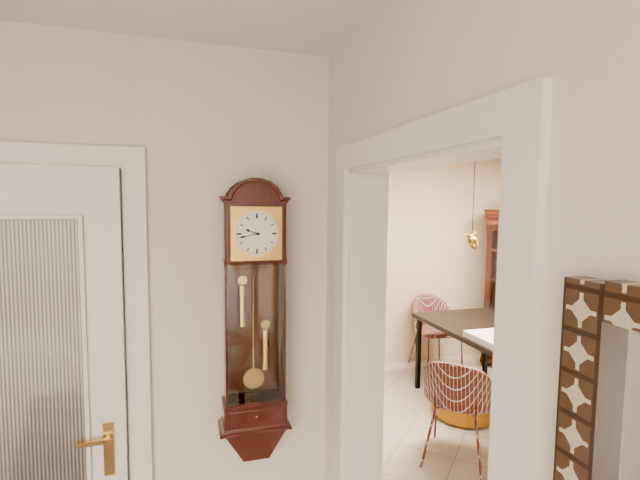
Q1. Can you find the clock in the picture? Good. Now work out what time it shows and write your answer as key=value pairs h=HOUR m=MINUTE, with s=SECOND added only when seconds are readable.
h=9 m=43
